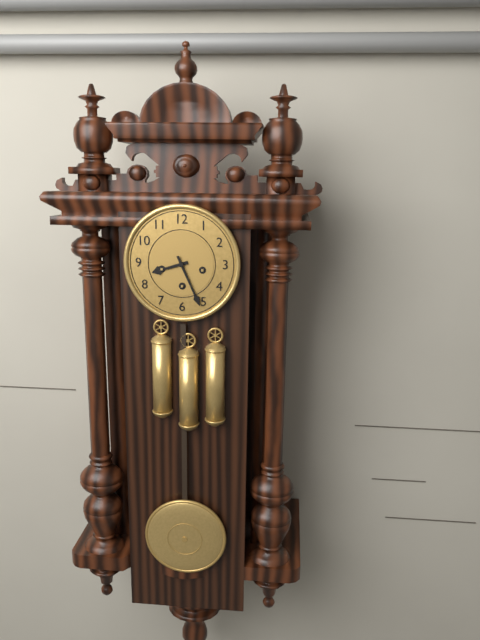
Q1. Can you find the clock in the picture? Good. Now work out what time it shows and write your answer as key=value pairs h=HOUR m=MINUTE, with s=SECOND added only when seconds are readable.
h=8 m=26
